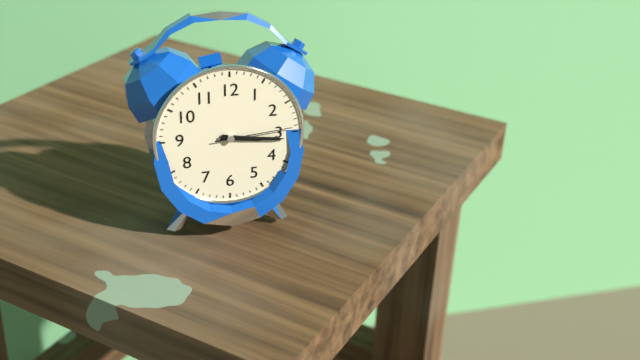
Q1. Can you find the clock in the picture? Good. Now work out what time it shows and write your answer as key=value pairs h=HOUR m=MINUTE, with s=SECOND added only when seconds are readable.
h=3 m=16 s=14
